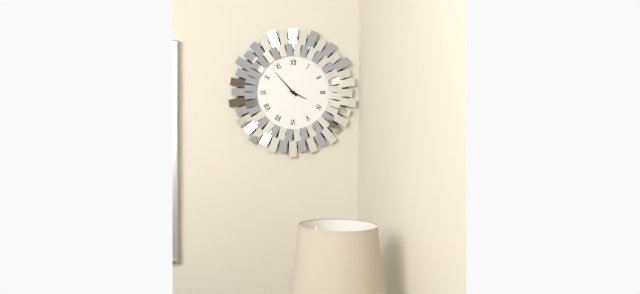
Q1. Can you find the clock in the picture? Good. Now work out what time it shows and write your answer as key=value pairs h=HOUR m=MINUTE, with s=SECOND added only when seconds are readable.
h=3 m=53
